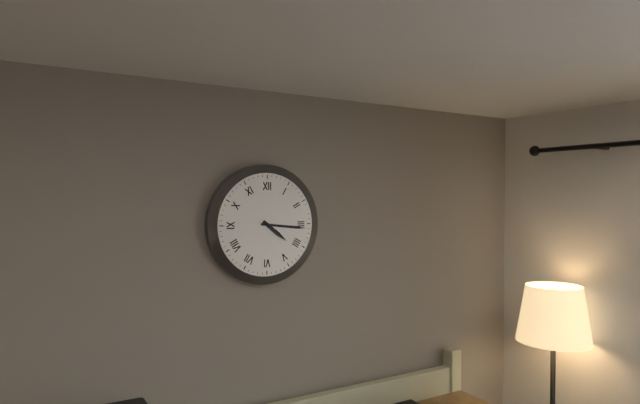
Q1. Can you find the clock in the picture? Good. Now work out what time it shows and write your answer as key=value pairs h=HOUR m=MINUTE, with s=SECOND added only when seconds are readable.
h=4 m=16
